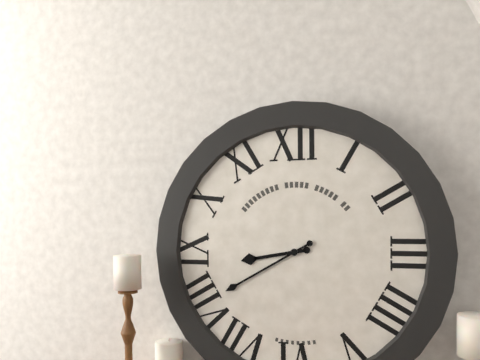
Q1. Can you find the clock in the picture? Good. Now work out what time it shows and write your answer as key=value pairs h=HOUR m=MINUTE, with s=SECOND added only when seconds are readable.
h=8 m=40
